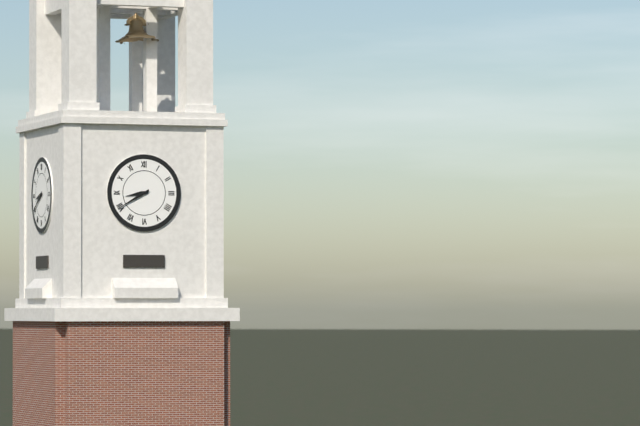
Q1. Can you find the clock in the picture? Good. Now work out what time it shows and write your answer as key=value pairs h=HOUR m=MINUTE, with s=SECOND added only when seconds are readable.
h=8 m=40
